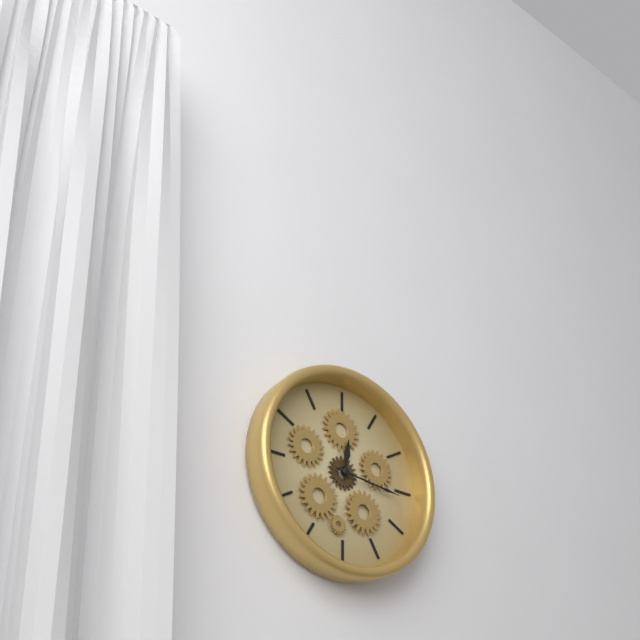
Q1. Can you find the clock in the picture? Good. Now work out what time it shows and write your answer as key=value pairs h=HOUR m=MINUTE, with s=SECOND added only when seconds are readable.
h=12 m=16
